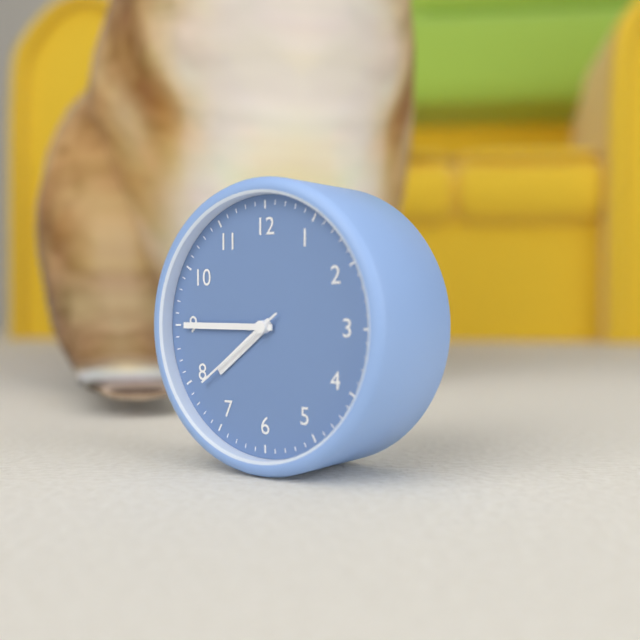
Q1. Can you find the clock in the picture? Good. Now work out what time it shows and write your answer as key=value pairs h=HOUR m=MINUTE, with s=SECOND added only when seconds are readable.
h=7 m=45 s=39
